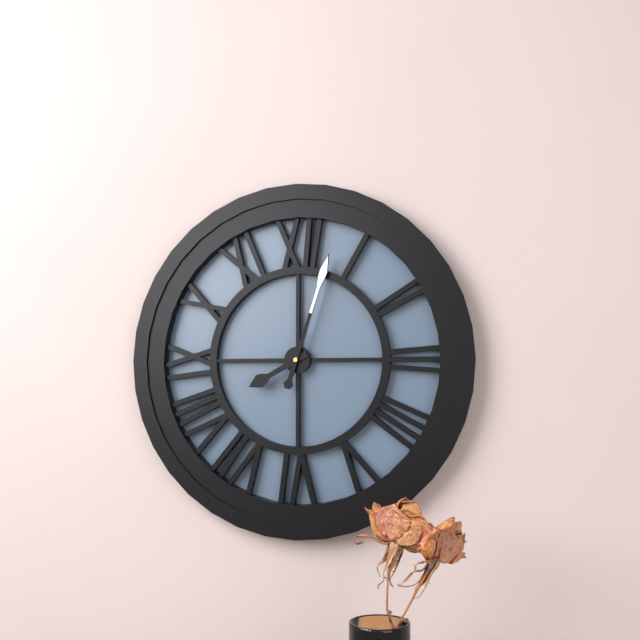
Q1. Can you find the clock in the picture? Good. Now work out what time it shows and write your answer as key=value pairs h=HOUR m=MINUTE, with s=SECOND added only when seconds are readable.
h=8 m=3
